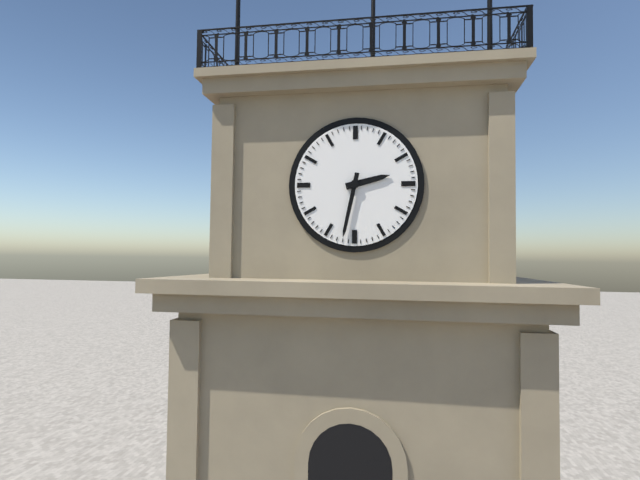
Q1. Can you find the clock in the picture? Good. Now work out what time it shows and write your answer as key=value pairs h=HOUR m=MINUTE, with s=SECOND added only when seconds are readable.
h=2 m=32
